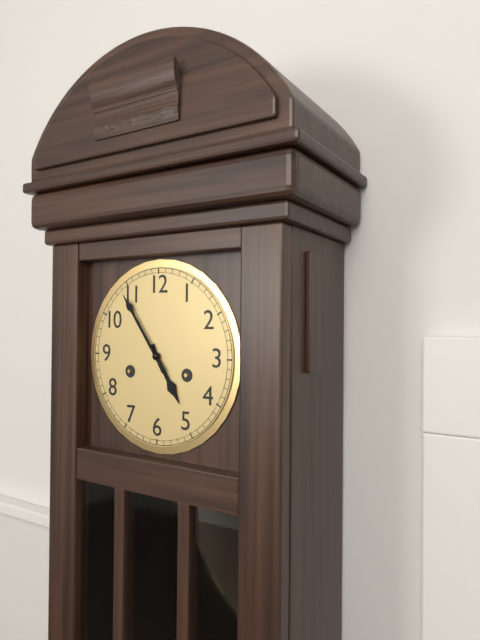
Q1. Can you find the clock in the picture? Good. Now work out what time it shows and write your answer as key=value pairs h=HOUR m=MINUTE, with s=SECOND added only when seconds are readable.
h=4 m=54
